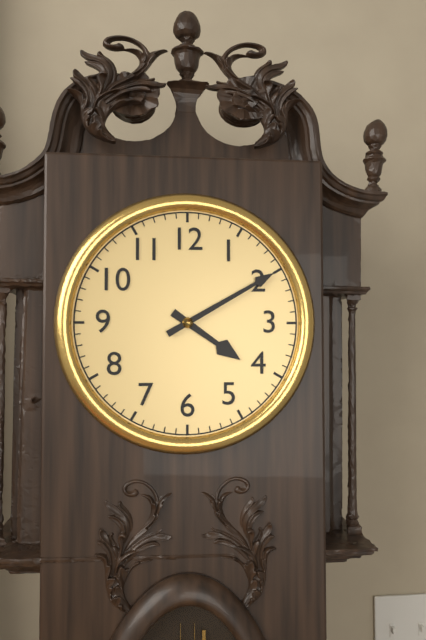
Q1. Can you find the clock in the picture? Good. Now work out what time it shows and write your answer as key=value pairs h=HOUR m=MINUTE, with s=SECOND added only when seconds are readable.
h=4 m=10
